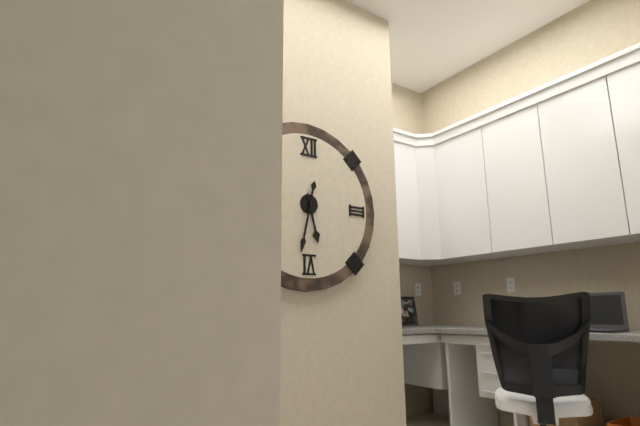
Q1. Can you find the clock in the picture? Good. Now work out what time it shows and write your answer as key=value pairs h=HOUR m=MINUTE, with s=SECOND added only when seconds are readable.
h=5 m=32
